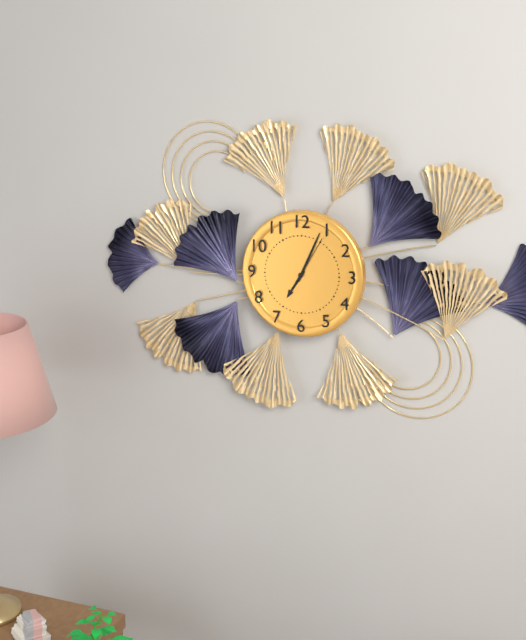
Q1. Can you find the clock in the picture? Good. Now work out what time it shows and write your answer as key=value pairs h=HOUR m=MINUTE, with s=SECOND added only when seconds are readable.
h=7 m=4 s=5
